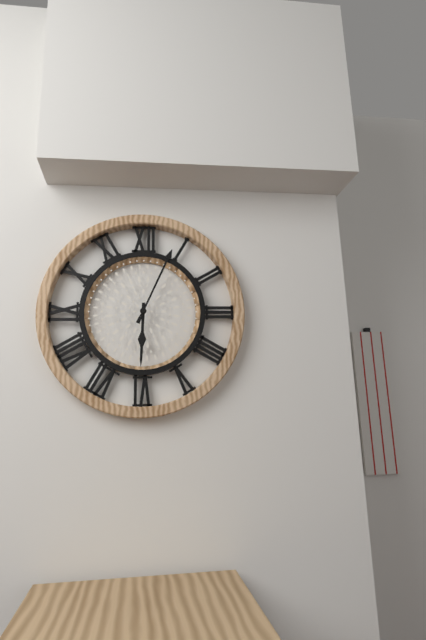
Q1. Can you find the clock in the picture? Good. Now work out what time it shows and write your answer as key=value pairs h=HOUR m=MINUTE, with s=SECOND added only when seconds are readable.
h=6 m=4
